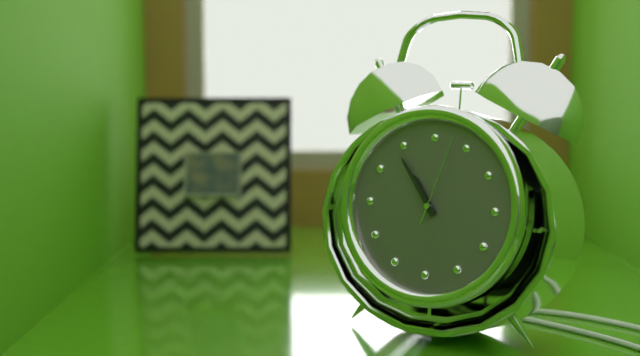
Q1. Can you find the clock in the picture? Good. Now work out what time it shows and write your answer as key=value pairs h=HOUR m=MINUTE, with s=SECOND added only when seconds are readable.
h=10 m=54 s=3
